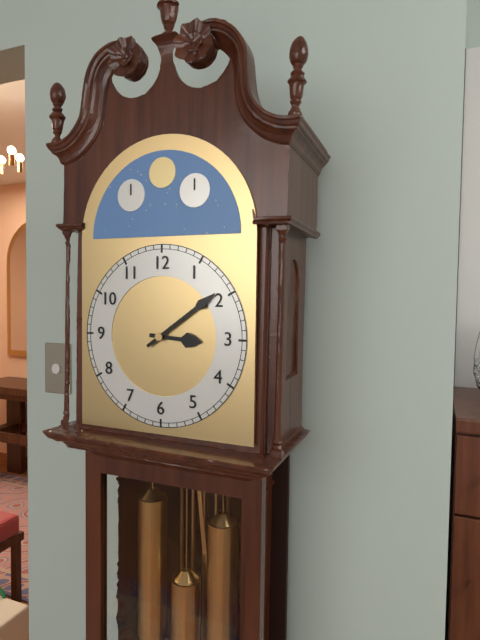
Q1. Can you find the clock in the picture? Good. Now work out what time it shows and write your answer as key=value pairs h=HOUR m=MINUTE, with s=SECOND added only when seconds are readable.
h=3 m=9
